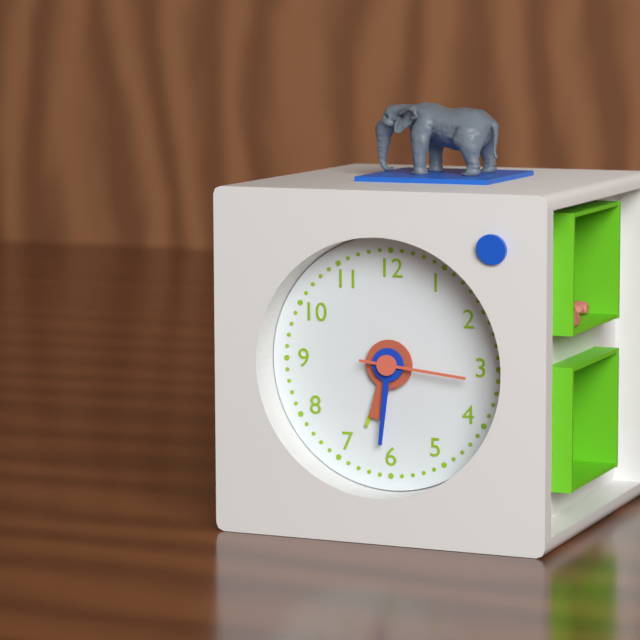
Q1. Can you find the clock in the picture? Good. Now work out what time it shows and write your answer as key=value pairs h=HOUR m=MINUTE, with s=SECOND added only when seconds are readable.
h=6 m=31 s=16
